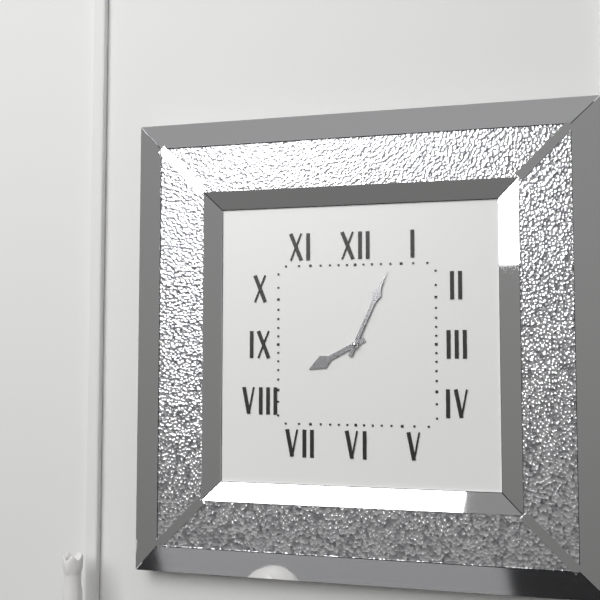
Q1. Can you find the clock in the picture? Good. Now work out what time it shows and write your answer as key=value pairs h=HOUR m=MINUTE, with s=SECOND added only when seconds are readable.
h=8 m=4
